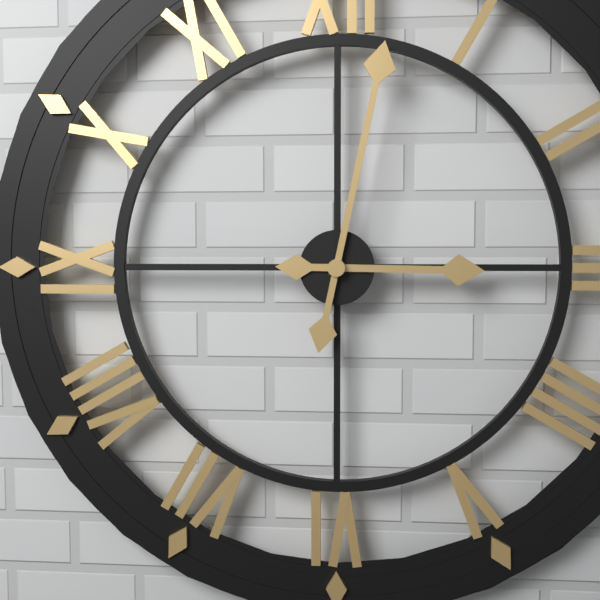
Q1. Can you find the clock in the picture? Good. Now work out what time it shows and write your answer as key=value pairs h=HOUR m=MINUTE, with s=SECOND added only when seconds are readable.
h=3 m=2
